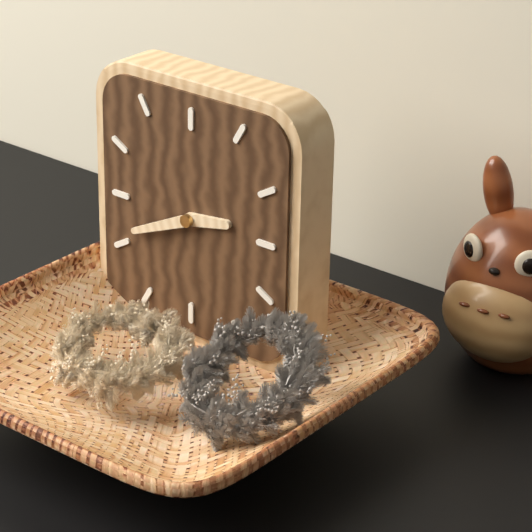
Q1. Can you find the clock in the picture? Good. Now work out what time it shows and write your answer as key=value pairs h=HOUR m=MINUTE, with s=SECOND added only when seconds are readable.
h=2 m=41
